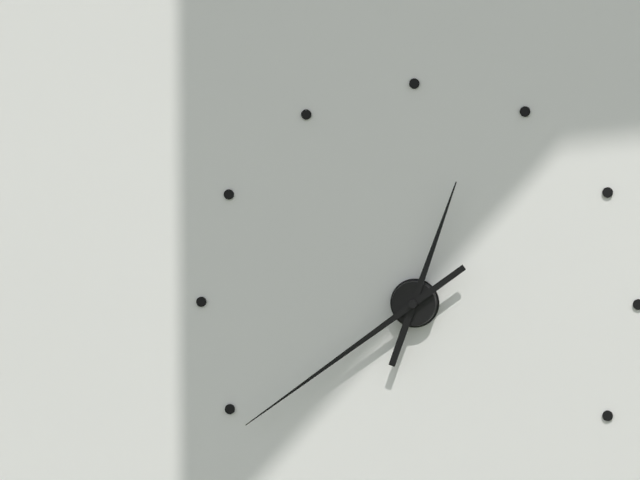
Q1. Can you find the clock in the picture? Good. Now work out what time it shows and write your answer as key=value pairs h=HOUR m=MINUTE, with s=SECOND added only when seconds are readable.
h=12 m=39
